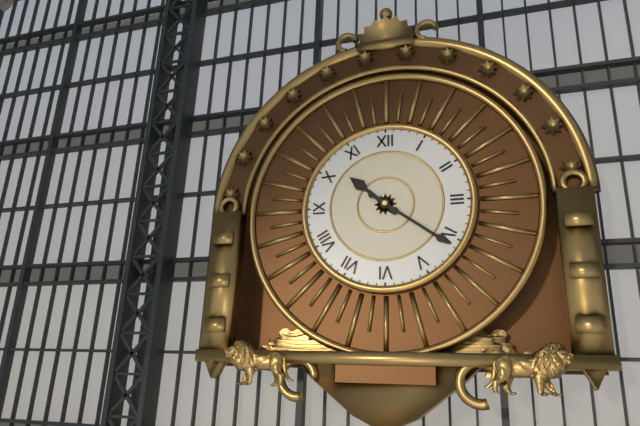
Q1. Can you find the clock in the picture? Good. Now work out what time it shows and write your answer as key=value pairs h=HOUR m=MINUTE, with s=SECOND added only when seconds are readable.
h=10 m=21
